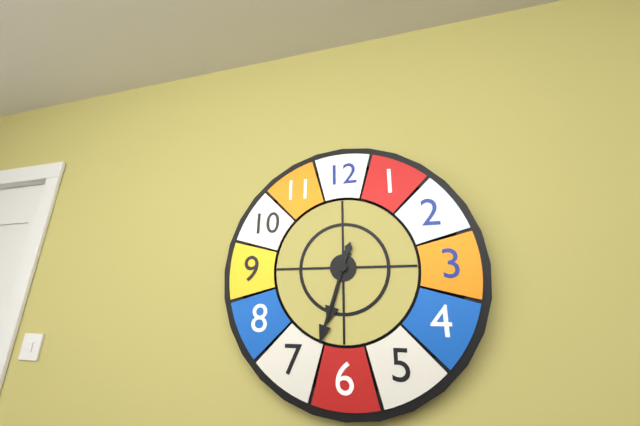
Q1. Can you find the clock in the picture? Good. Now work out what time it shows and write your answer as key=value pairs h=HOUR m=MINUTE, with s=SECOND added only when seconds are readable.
h=6 m=33
